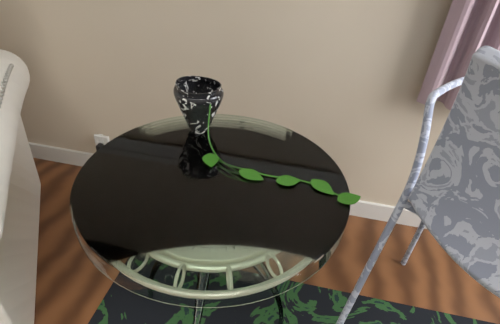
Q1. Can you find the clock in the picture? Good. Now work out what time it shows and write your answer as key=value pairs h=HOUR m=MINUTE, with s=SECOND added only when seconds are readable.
h=1 m=0
